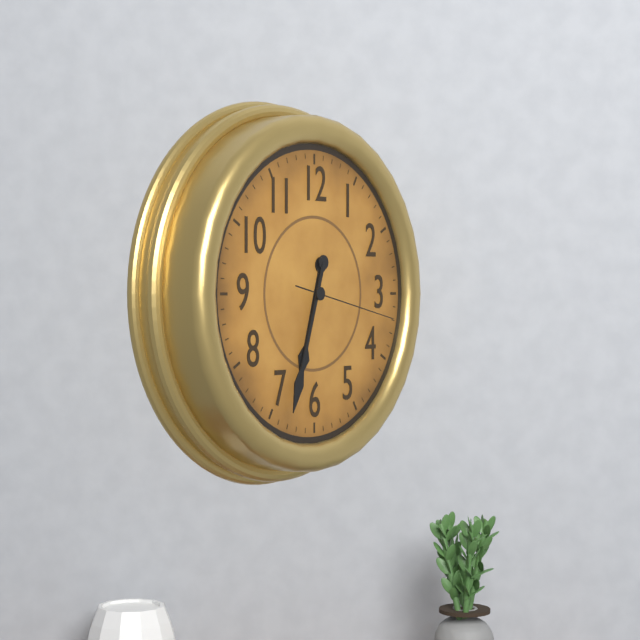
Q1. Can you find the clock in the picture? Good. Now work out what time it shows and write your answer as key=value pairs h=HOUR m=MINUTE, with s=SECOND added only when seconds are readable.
h=6 m=33 s=17
